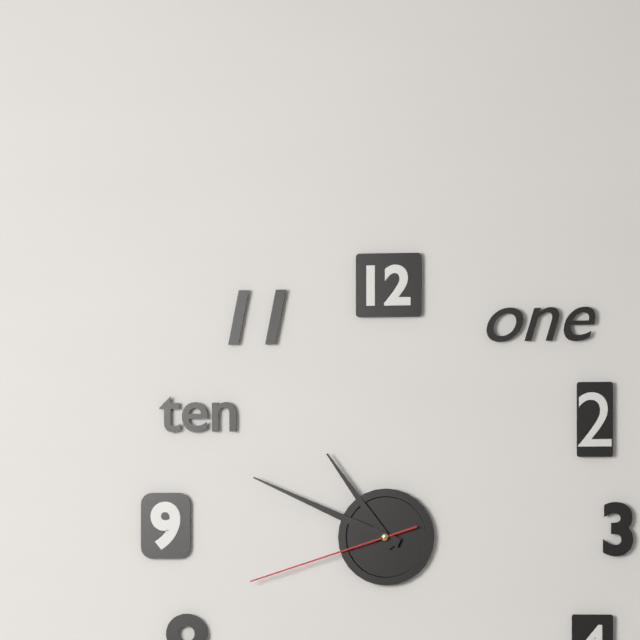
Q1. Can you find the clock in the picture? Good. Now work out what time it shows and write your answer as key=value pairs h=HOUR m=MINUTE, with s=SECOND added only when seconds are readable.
h=10 m=49 s=42
